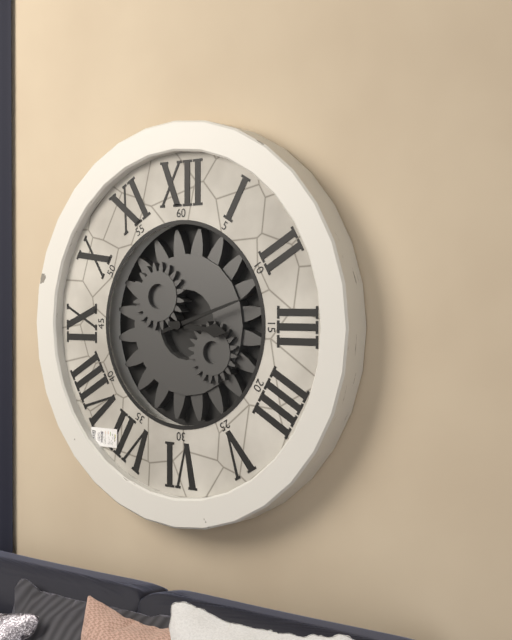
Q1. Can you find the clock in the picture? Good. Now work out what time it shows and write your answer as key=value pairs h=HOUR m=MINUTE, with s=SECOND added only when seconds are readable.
h=3 m=12
